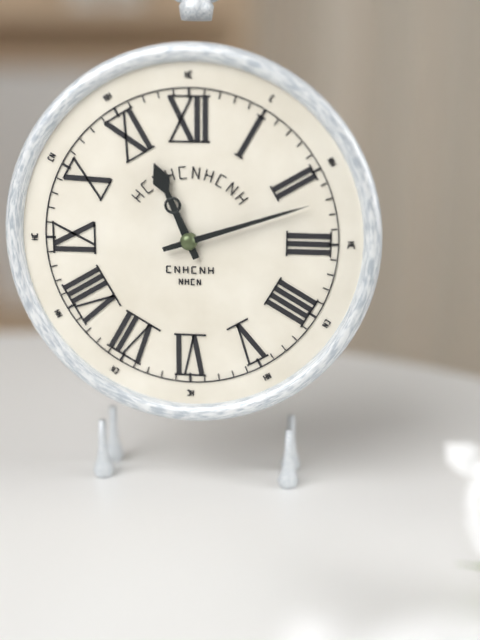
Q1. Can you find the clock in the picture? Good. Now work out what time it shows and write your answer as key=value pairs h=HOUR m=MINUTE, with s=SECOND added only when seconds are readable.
h=11 m=12
